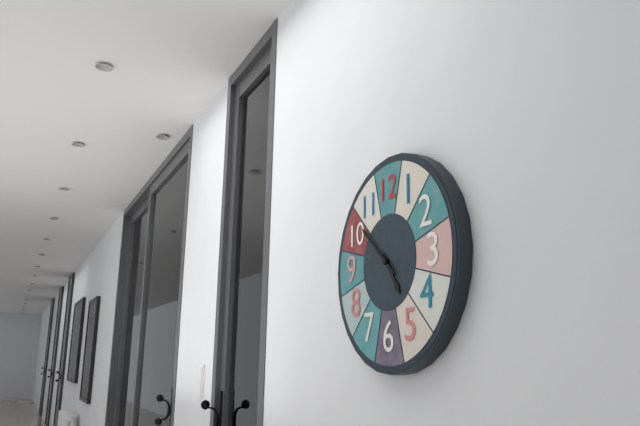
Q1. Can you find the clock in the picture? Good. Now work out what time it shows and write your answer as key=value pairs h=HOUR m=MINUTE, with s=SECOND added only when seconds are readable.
h=4 m=52
